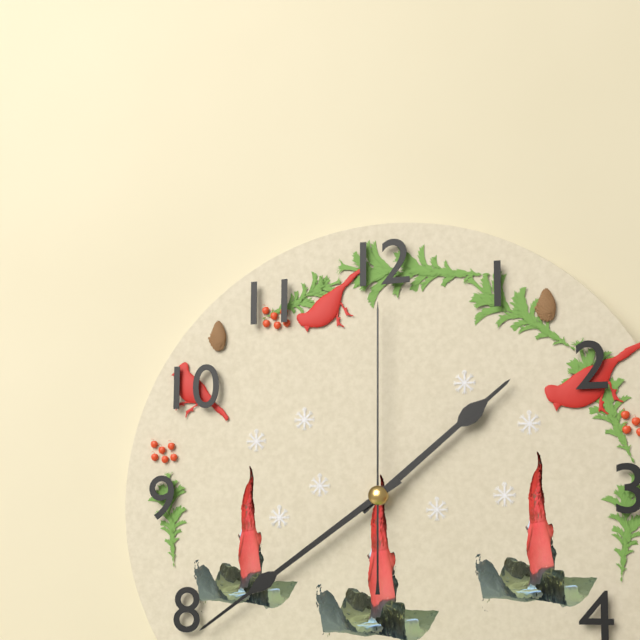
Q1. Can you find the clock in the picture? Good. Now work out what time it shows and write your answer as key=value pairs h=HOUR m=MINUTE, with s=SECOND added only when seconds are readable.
h=1 m=39 s=0
